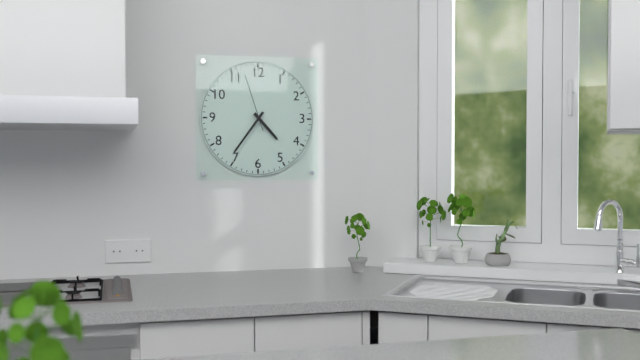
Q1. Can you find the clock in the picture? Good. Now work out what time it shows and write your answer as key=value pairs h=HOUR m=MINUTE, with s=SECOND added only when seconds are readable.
h=4 m=36 s=57
